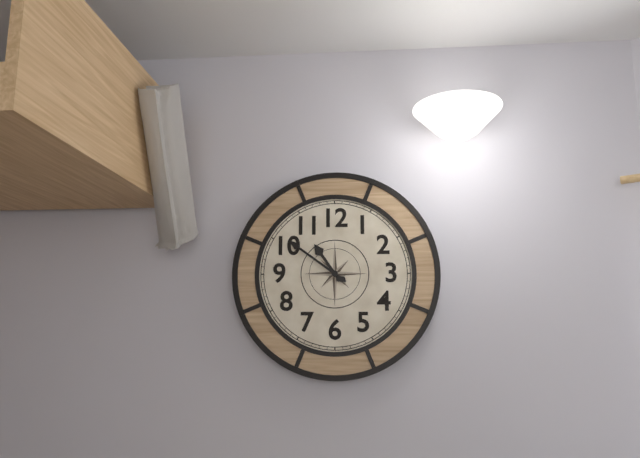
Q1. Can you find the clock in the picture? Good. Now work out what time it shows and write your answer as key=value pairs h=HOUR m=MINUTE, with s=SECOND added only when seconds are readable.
h=10 m=51
